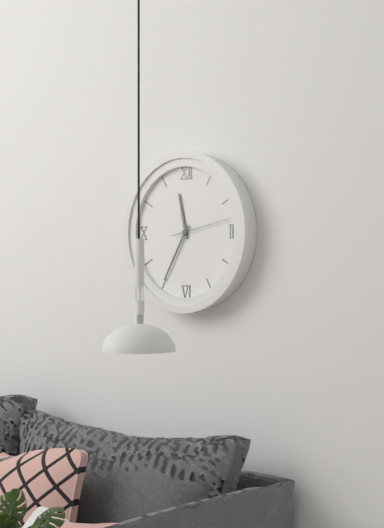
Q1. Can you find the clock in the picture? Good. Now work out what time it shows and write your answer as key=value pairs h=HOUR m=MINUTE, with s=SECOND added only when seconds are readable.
h=11 m=35 s=13
